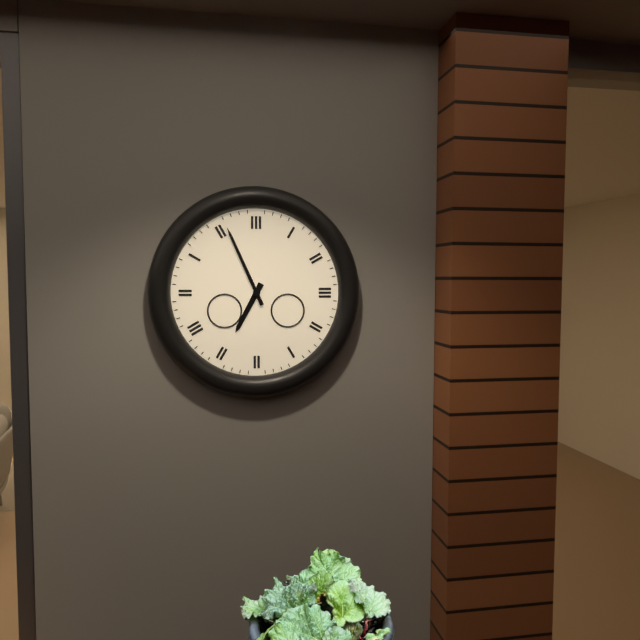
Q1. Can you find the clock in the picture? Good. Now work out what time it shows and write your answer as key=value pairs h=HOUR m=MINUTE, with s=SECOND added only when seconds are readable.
h=6 m=56
